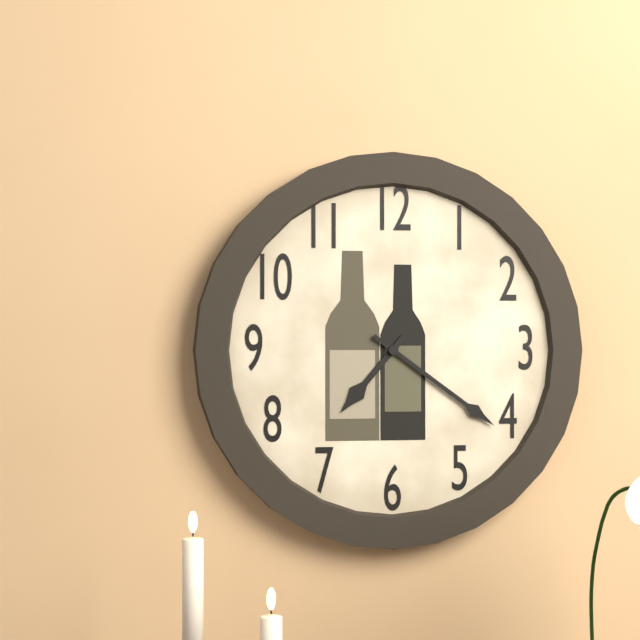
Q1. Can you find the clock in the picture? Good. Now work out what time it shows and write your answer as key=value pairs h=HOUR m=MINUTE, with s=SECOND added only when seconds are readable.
h=7 m=21
